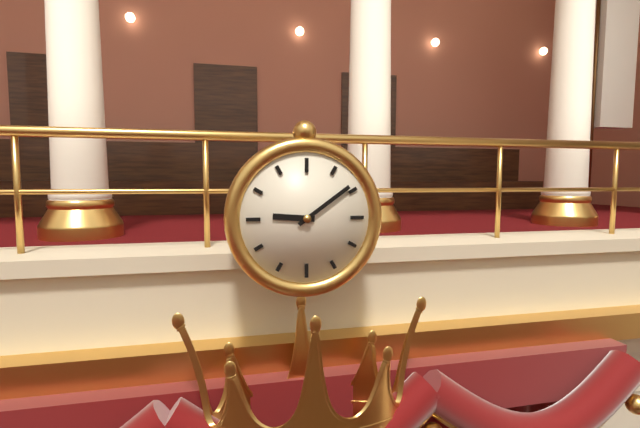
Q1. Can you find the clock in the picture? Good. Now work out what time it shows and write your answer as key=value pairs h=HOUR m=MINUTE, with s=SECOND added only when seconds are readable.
h=9 m=9
